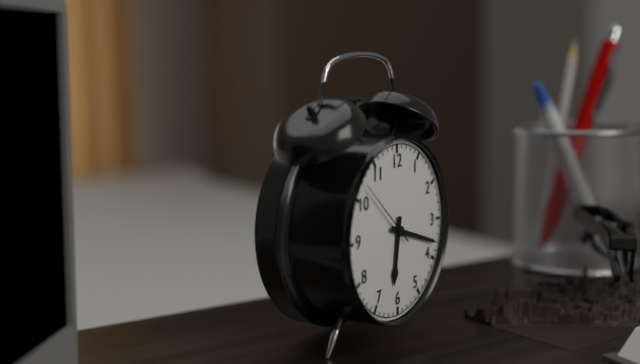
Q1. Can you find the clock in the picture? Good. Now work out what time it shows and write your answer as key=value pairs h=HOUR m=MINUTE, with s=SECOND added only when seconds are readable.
h=6 m=18 s=52
